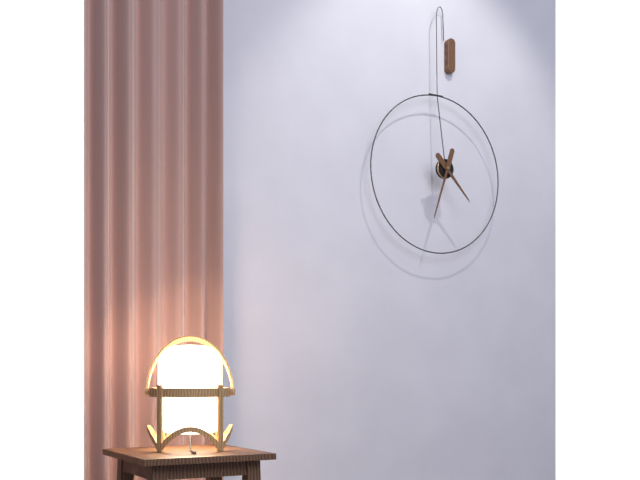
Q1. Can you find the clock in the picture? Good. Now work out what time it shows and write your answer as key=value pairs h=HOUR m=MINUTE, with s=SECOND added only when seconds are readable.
h=4 m=33
